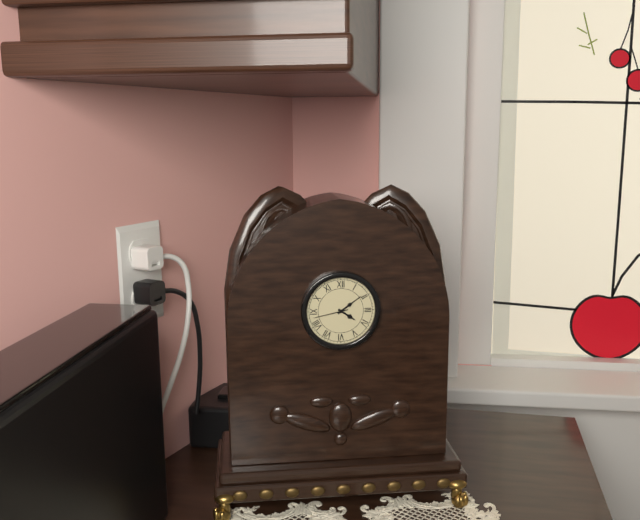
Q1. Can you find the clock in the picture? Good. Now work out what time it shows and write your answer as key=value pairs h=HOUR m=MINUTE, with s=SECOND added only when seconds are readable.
h=4 m=9
